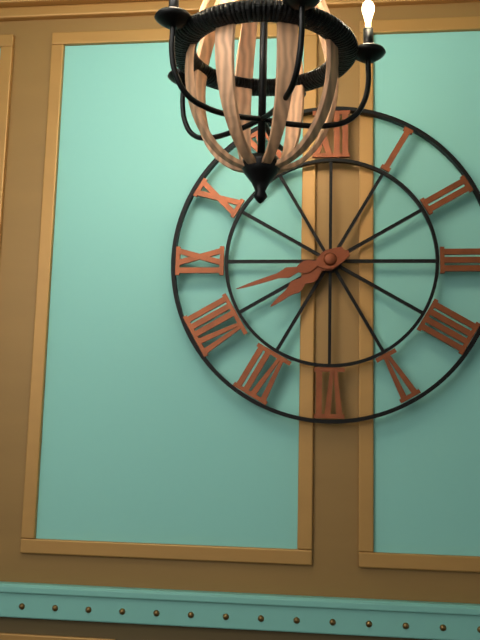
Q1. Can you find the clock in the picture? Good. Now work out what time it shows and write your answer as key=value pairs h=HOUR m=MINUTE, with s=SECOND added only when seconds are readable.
h=7 m=42
